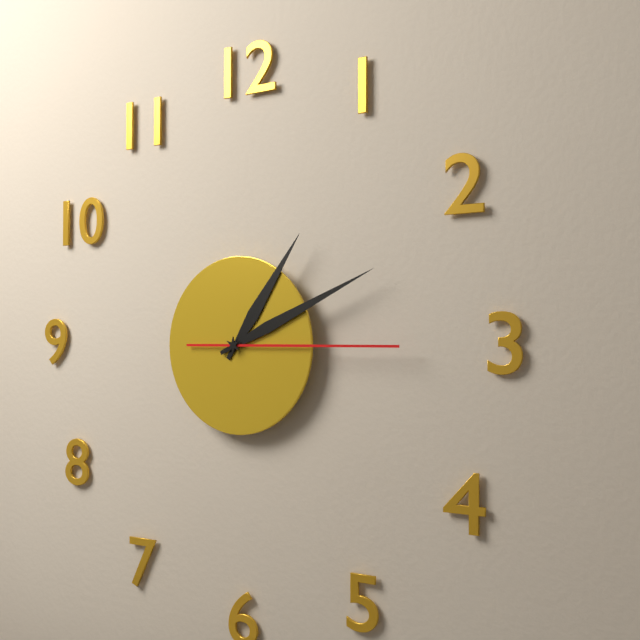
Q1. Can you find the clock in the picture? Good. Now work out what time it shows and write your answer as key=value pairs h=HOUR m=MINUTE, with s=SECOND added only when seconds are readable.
h=1 m=11 s=15
